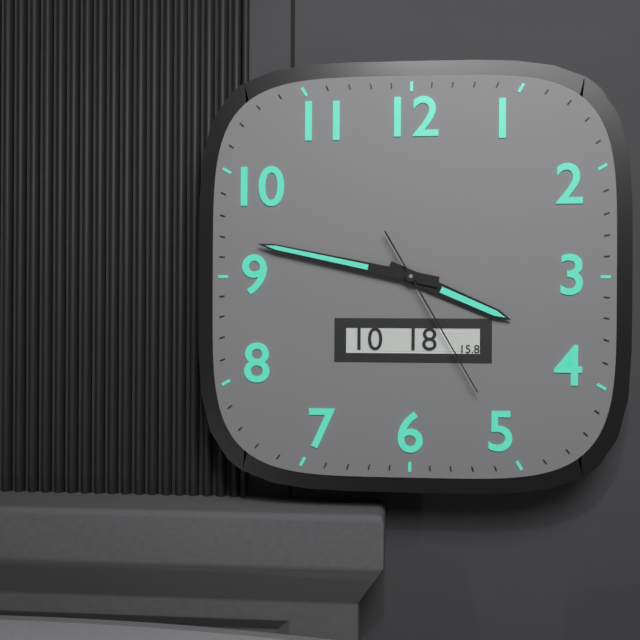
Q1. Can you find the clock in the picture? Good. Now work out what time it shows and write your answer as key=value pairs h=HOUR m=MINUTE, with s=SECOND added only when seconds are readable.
h=3 m=47 s=25
